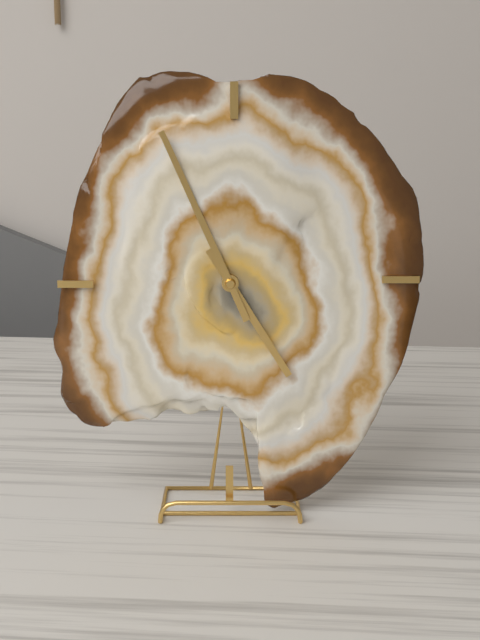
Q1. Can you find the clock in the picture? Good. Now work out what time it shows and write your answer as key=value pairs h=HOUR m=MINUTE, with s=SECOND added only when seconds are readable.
h=4 m=56
